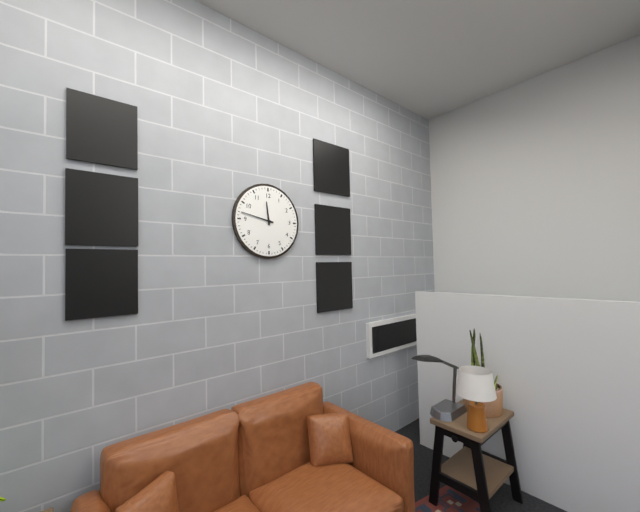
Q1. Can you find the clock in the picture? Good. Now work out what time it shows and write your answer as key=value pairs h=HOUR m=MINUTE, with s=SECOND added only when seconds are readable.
h=11 m=47
